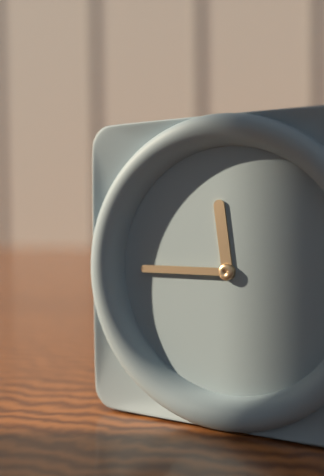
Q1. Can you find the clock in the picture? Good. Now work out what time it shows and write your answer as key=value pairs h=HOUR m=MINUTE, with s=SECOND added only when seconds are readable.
h=11 m=45
